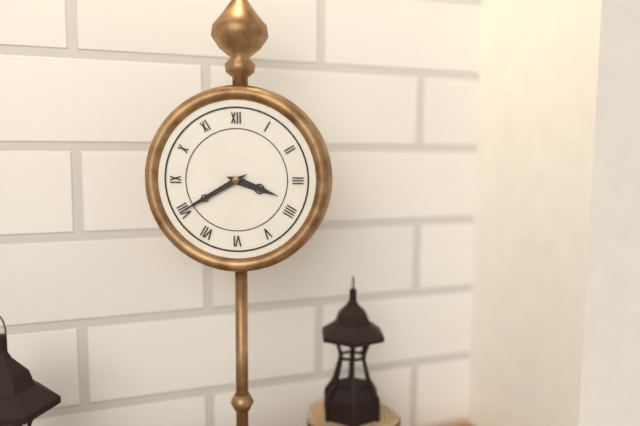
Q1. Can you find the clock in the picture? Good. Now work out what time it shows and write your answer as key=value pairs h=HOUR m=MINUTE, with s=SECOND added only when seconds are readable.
h=3 m=40
